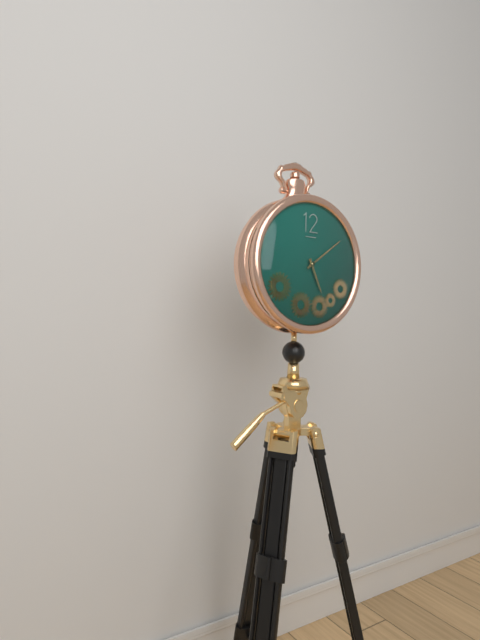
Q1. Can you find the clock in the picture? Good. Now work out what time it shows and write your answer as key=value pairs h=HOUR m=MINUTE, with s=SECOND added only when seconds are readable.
h=5 m=9
